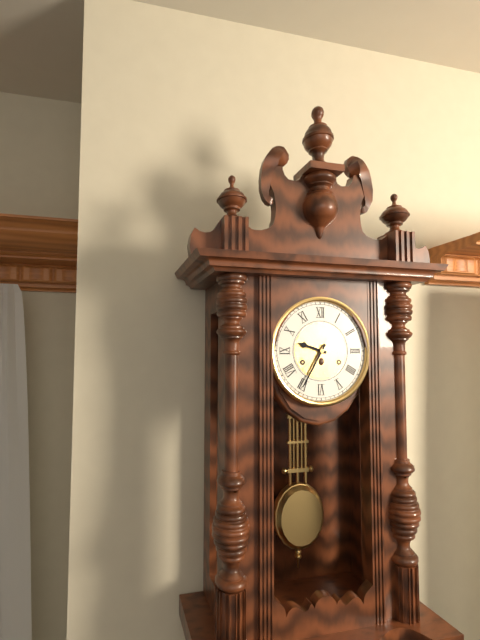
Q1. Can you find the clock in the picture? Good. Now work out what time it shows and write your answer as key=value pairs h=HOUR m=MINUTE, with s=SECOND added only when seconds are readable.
h=9 m=35
